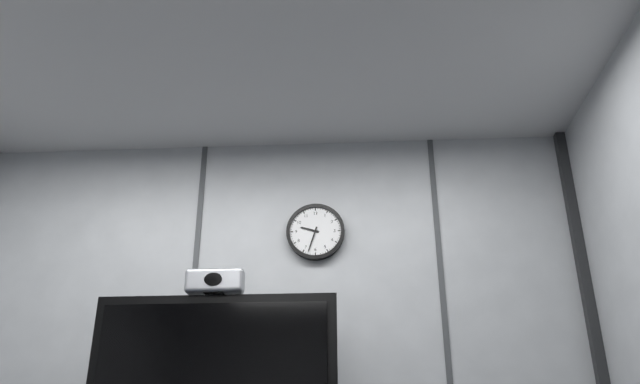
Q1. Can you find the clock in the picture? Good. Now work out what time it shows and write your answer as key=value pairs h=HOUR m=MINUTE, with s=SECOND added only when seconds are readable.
h=9 m=33
